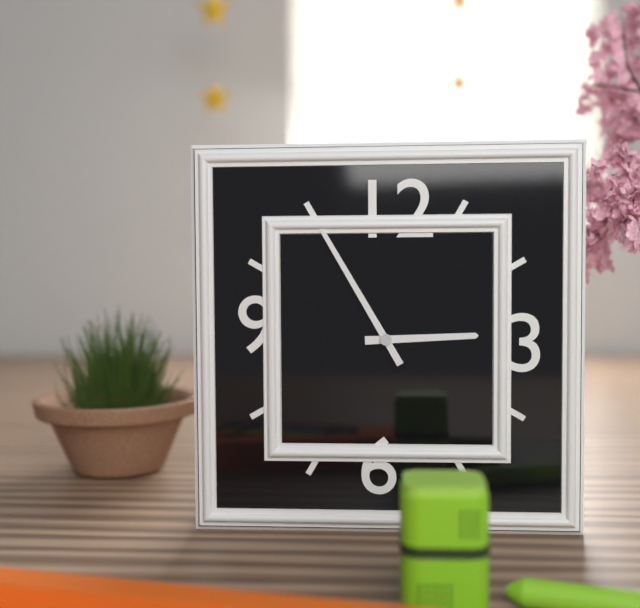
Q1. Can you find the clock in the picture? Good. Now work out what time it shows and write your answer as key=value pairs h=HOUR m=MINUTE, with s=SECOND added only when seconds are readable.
h=2 m=55
